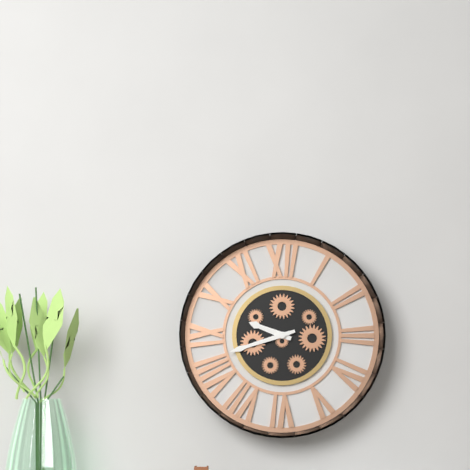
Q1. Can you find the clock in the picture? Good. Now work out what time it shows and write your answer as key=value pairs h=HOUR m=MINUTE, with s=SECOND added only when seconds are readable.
h=9 m=42
